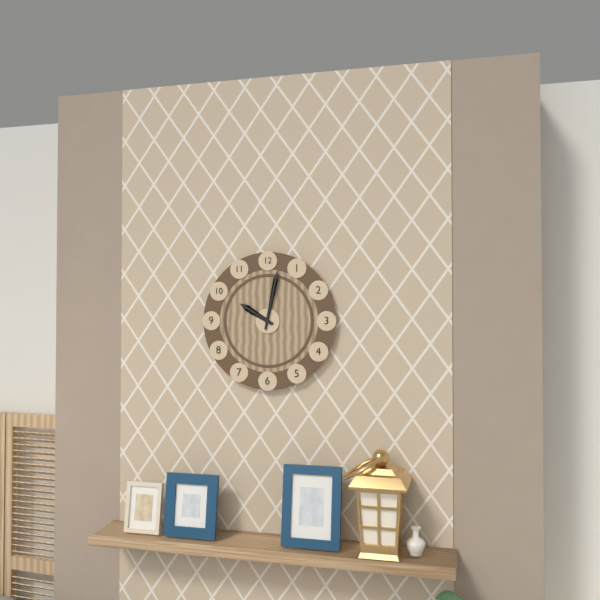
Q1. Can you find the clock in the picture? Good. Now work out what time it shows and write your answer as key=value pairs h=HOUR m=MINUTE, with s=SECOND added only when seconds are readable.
h=10 m=2
